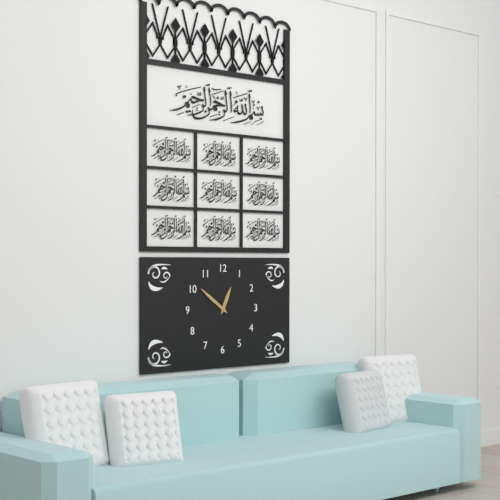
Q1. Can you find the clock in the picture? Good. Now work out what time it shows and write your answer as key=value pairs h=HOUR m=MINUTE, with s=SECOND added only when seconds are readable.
h=12 m=51
